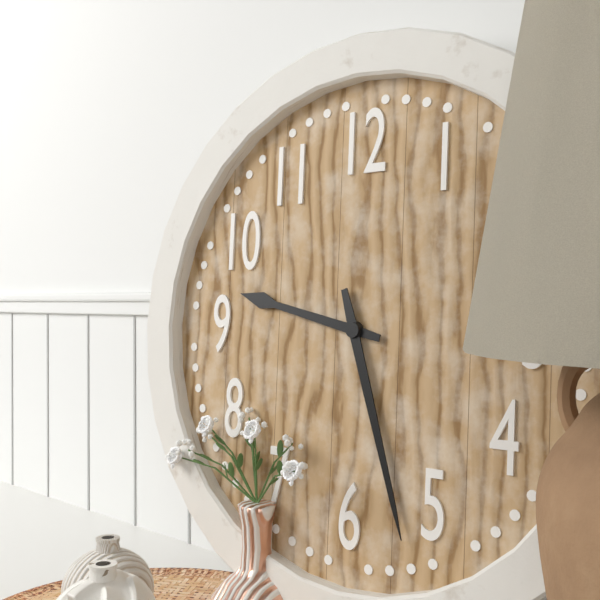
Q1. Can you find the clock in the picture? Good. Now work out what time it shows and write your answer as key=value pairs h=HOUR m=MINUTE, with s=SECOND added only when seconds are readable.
h=9 m=27
